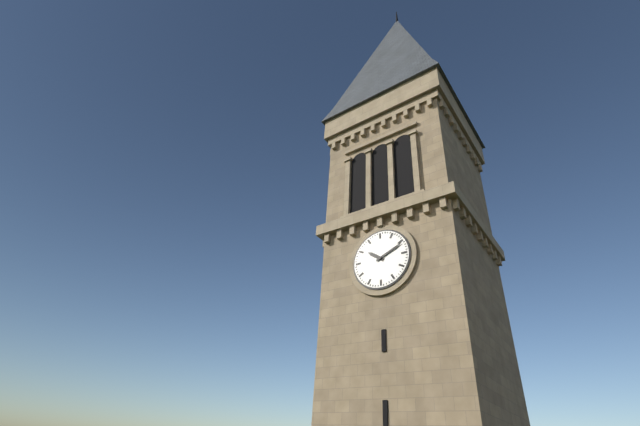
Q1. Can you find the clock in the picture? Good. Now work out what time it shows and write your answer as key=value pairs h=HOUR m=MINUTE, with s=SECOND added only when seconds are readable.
h=10 m=11
